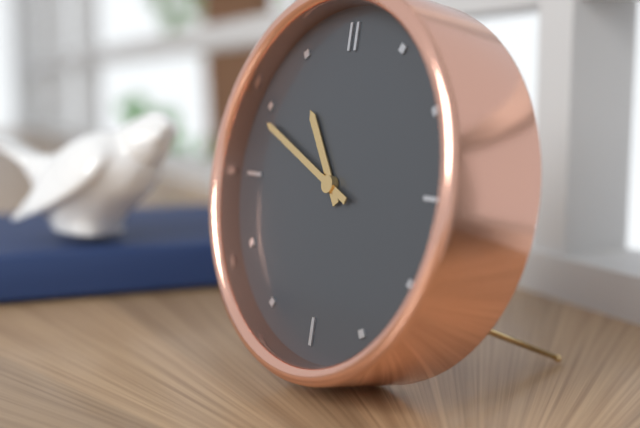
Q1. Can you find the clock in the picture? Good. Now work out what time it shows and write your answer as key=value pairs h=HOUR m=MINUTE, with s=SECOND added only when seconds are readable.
h=10 m=49
